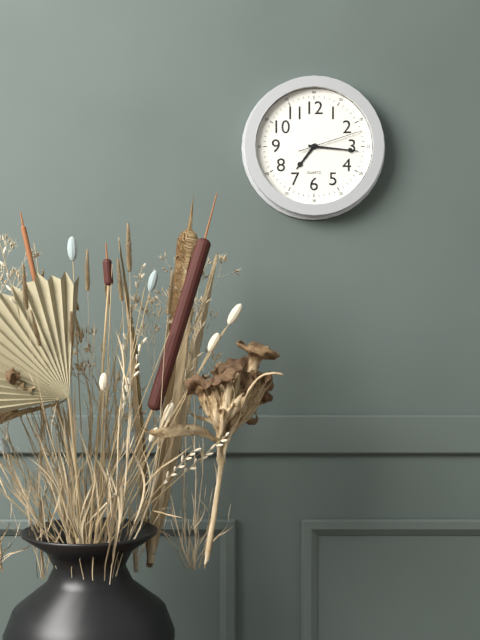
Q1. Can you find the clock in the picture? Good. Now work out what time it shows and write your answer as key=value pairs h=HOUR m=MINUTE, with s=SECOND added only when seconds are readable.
h=7 m=16 s=12
